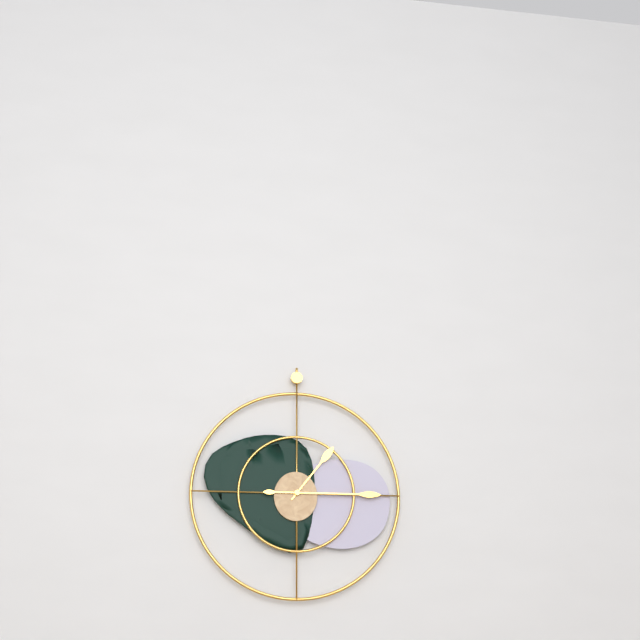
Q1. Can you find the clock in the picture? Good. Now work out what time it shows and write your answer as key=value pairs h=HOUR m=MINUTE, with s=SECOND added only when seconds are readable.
h=1 m=15
